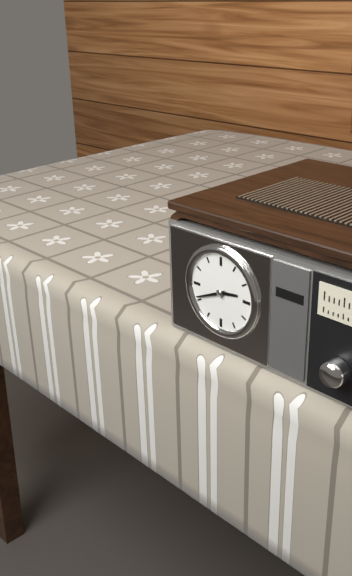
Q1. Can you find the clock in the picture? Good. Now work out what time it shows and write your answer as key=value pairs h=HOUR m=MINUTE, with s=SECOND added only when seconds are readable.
h=2 m=41
